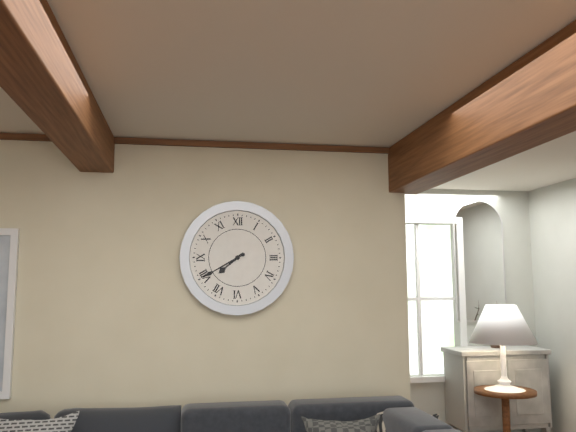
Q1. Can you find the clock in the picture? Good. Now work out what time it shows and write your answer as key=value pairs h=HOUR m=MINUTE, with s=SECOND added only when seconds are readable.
h=7 m=40
